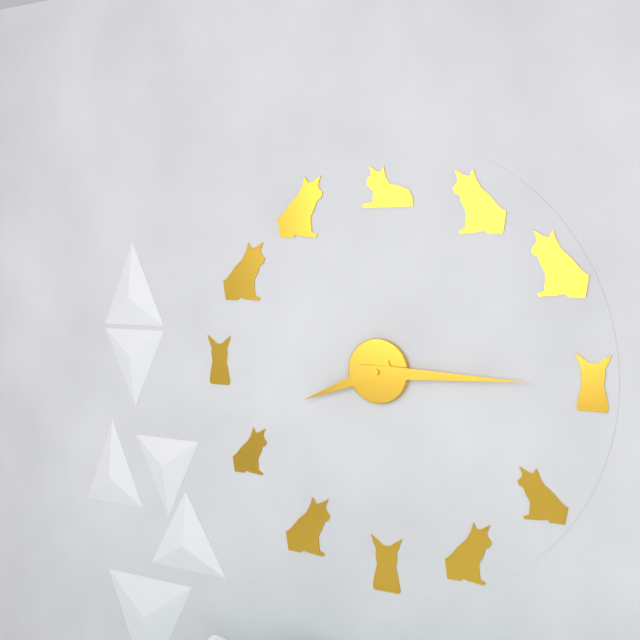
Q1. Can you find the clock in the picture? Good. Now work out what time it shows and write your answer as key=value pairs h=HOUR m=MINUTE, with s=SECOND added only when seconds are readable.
h=8 m=15
